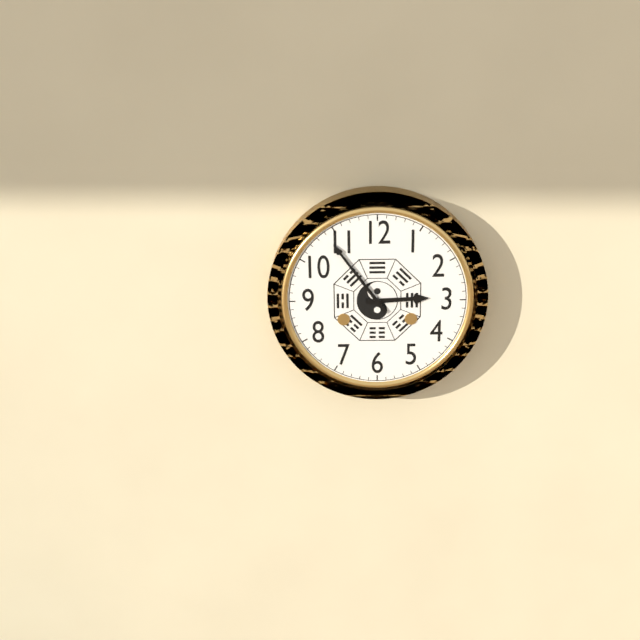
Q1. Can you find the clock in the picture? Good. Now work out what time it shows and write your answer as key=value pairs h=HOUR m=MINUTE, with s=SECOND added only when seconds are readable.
h=2 m=54
